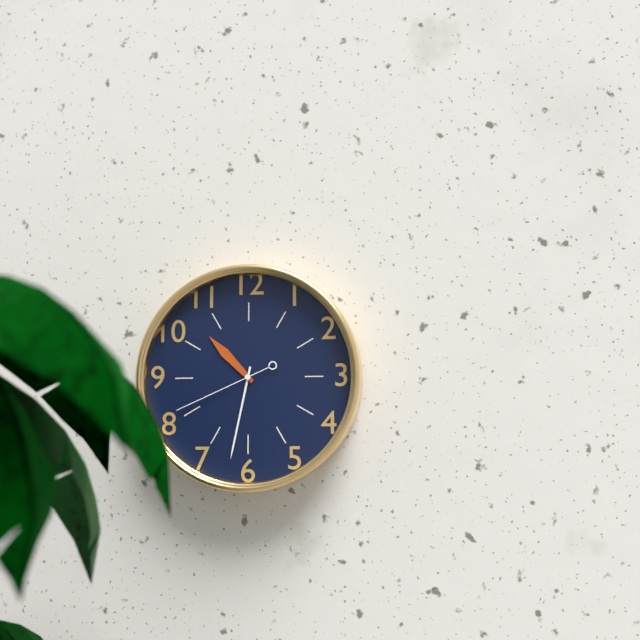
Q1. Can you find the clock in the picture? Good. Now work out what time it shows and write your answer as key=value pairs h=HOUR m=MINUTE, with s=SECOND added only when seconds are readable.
h=10 m=32 s=41
